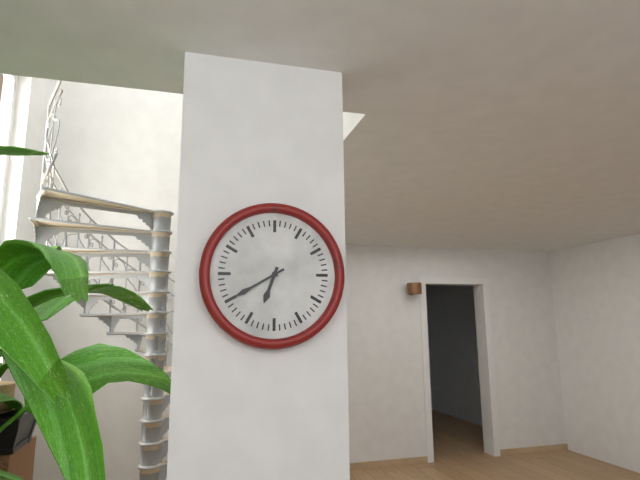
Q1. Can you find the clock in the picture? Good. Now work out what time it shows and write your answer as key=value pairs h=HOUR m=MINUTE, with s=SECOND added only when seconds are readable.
h=6 m=40
